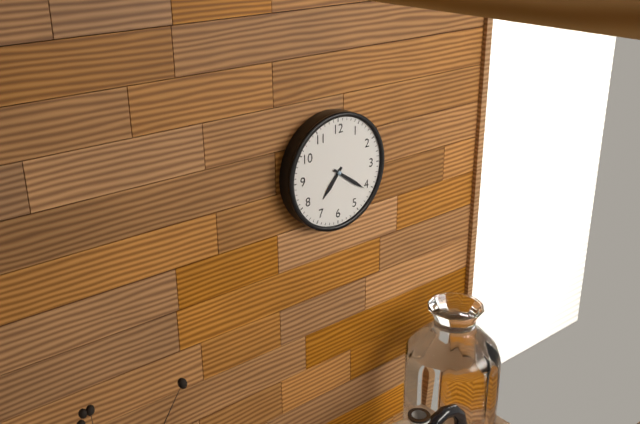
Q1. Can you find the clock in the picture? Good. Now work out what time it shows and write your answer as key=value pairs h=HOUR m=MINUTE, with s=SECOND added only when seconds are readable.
h=7 m=21
